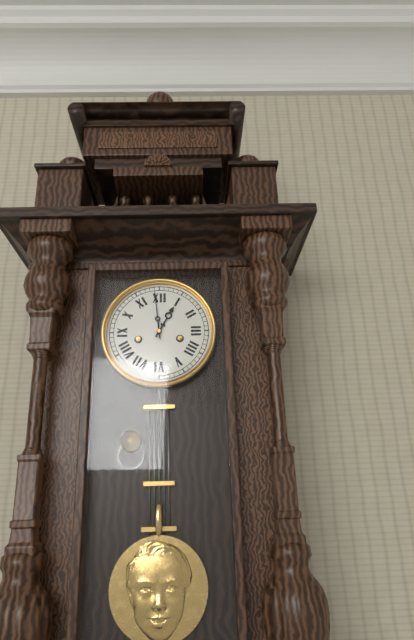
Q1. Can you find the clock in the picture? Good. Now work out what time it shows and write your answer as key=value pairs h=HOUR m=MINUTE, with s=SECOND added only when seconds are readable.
h=12 m=59
